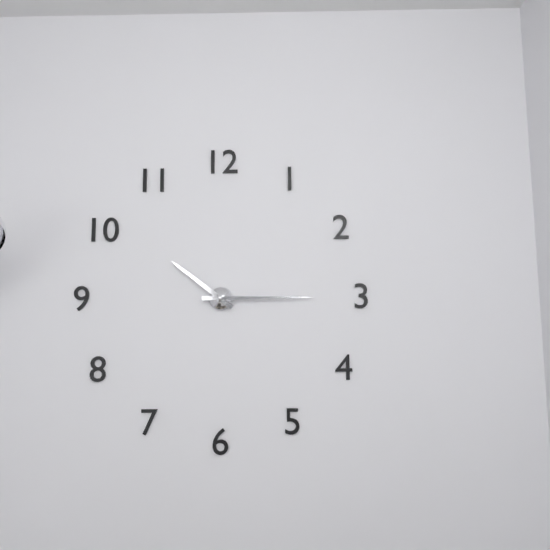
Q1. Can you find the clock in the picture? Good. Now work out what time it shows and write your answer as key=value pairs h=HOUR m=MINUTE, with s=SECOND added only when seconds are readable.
h=10 m=15
